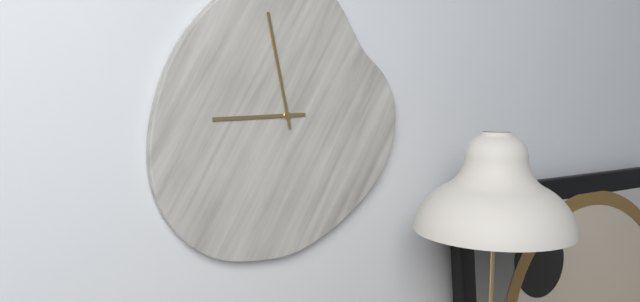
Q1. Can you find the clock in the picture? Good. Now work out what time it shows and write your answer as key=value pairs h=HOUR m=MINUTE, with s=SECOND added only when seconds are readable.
h=8 m=58
